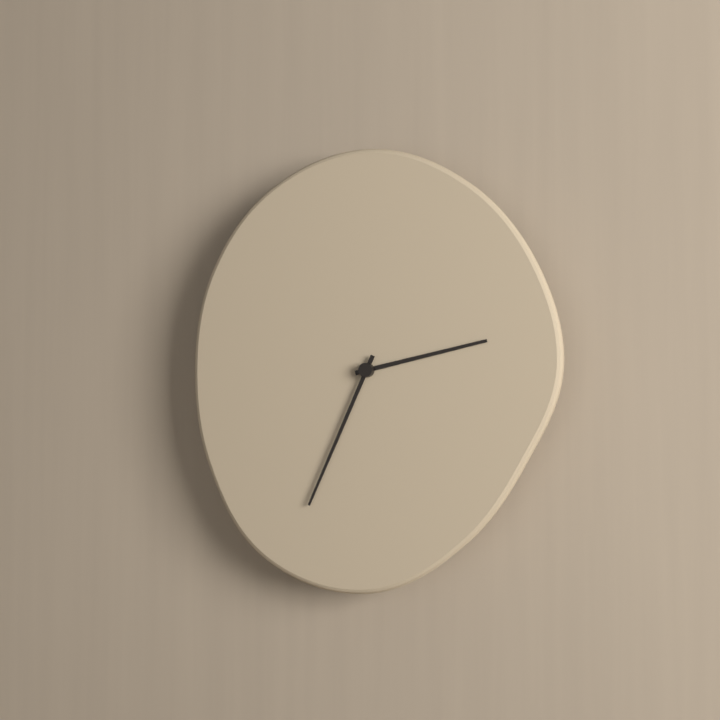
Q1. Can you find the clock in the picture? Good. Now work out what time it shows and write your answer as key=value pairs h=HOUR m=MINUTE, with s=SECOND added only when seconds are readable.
h=2 m=34
